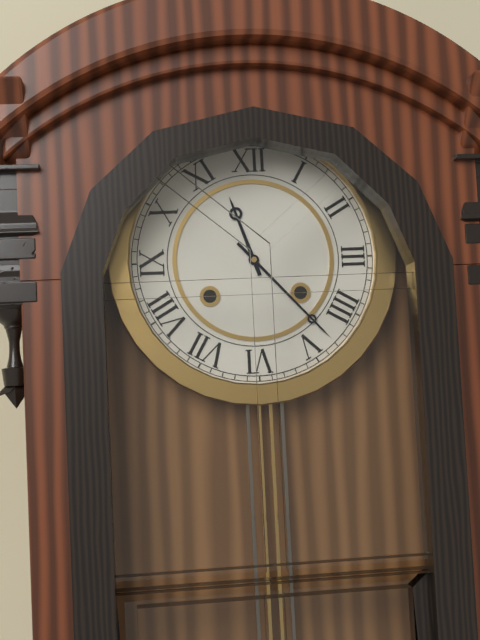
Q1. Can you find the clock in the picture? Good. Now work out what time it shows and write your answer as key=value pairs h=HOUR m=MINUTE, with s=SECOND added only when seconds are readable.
h=11 m=23
